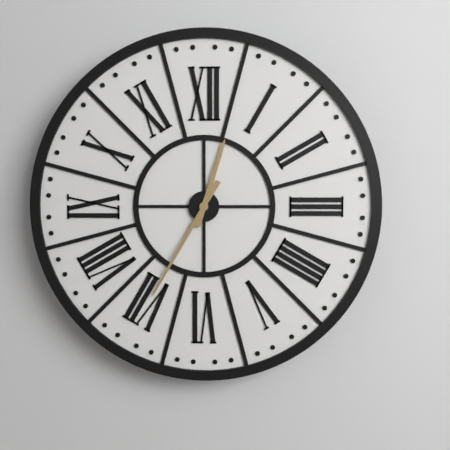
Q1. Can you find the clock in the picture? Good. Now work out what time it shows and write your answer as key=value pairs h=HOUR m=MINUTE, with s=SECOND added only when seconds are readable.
h=12 m=35
